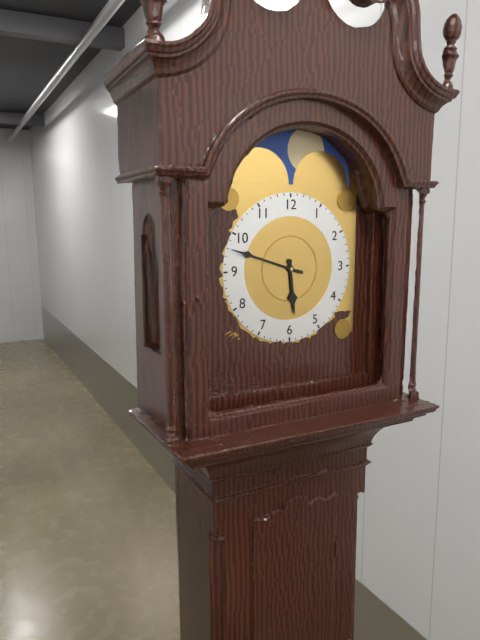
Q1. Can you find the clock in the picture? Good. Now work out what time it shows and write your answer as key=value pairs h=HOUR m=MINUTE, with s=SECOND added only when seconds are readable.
h=5 m=48
